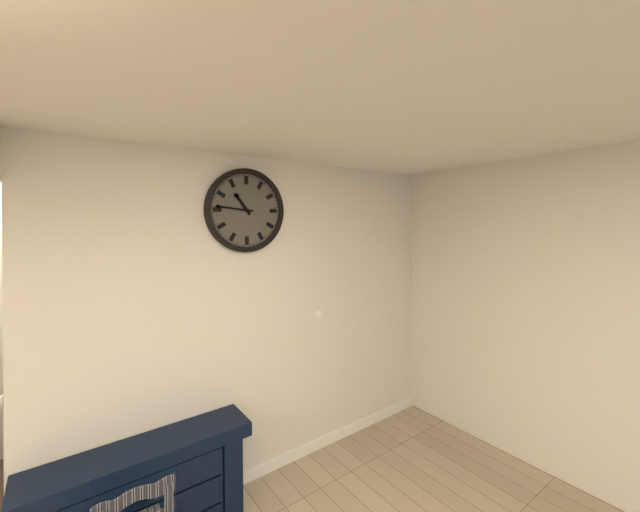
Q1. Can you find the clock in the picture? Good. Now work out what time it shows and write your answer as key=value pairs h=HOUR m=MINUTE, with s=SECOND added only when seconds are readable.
h=10 m=46
